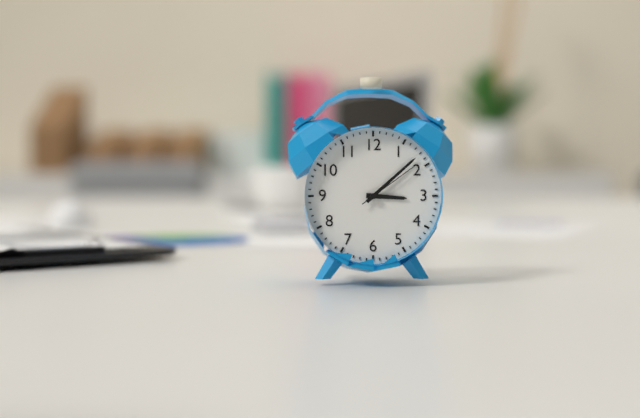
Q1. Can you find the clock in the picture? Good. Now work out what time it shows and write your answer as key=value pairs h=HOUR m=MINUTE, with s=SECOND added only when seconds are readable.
h=3 m=8 s=9
